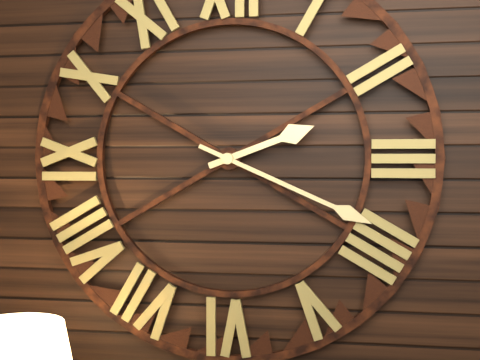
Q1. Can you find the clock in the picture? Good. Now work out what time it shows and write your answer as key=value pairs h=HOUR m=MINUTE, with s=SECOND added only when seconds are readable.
h=2 m=19
